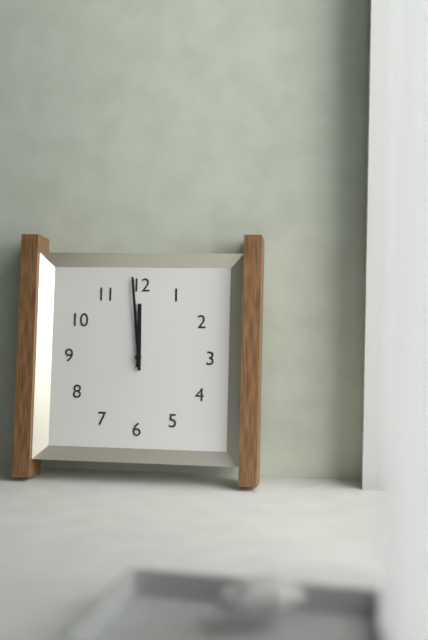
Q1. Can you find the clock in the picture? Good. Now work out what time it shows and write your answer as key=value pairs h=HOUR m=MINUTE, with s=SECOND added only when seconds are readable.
h=11 m=59
